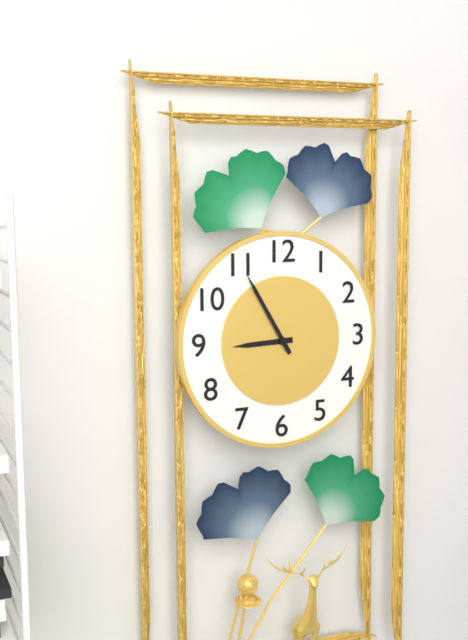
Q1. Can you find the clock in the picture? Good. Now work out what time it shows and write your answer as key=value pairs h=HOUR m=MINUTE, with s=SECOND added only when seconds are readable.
h=8 m=55
